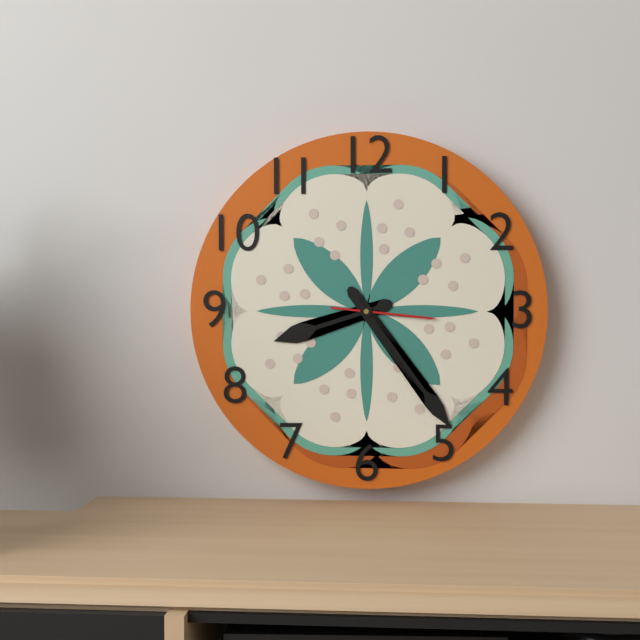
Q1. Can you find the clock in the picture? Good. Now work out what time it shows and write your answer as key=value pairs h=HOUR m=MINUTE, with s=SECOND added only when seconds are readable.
h=8 m=24 s=16
